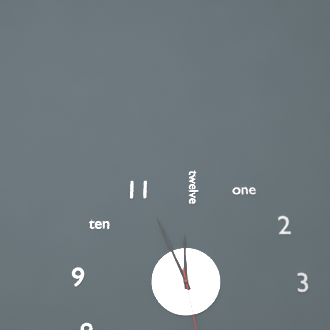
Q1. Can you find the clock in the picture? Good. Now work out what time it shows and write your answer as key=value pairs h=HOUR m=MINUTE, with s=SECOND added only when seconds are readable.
h=11 m=56
